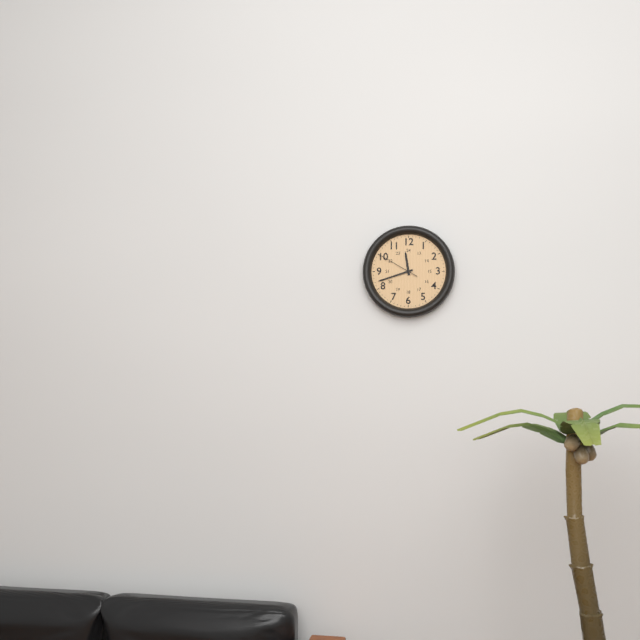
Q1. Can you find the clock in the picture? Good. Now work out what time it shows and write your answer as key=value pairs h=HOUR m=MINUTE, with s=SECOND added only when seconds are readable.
h=11 m=42
